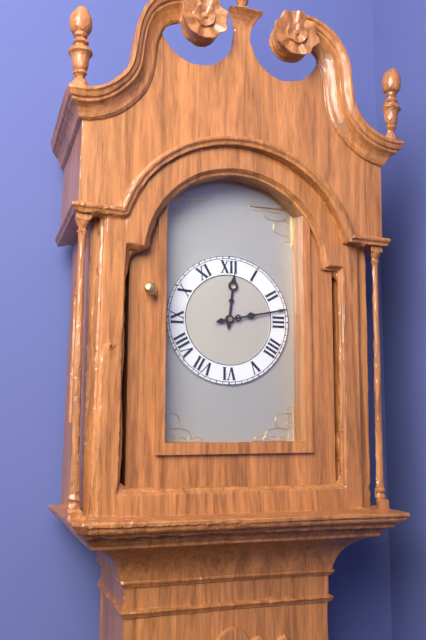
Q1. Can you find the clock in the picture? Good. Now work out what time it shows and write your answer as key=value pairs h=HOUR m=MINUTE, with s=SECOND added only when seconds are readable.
h=12 m=13
